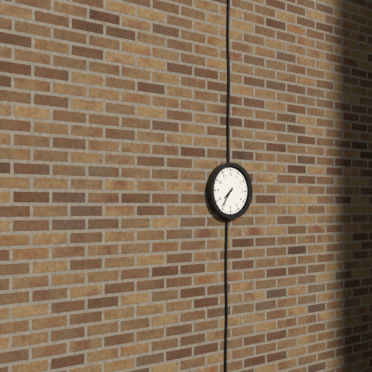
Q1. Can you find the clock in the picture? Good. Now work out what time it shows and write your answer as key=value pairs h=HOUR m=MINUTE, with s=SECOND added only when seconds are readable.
h=7 m=36
